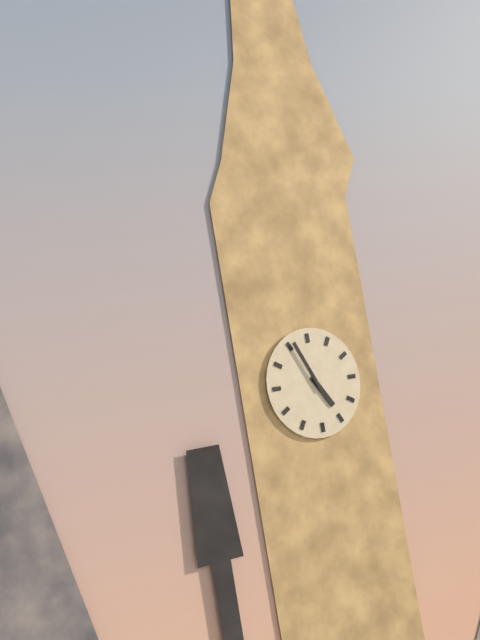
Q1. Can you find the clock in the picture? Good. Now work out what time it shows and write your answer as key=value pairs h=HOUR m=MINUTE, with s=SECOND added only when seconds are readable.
h=4 m=56
